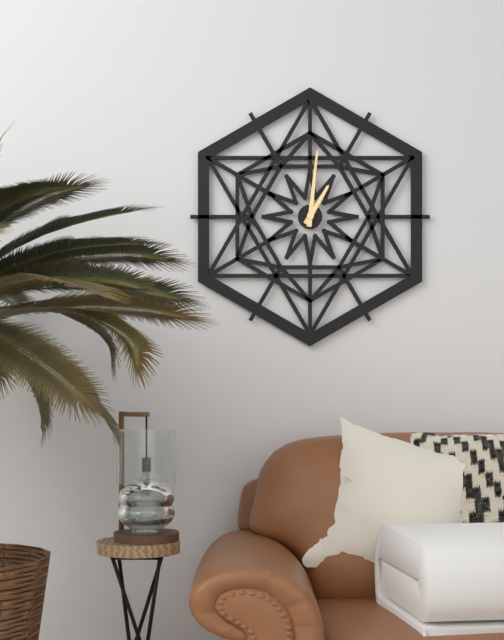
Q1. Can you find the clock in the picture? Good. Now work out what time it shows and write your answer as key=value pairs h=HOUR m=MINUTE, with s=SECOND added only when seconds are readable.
h=1 m=1
